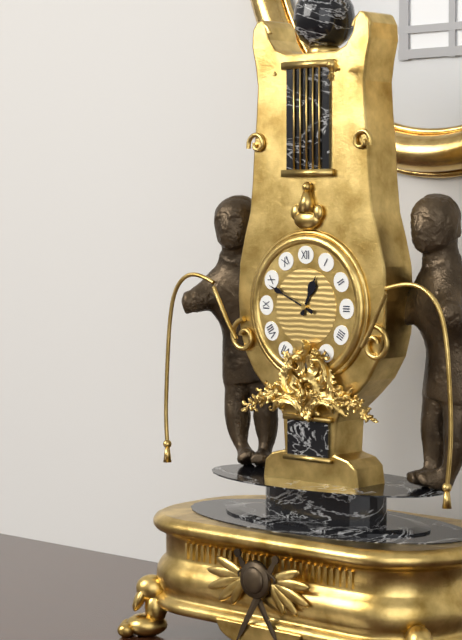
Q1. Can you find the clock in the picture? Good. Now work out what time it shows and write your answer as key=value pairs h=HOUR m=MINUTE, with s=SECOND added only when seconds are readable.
h=12 m=49
